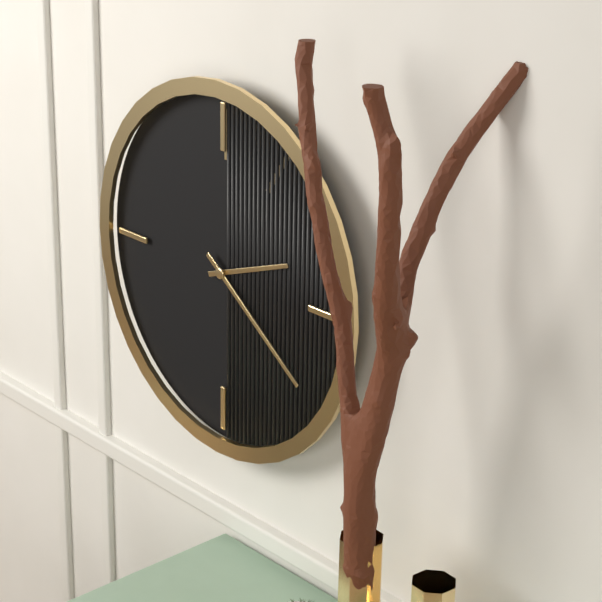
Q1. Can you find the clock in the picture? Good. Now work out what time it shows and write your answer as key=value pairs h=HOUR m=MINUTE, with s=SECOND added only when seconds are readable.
h=2 m=21
